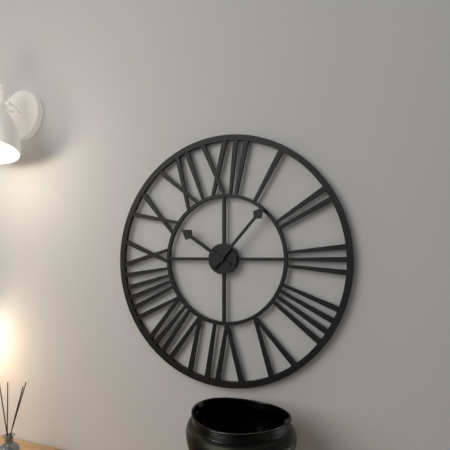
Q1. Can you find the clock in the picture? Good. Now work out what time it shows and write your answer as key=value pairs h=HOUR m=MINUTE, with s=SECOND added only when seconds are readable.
h=10 m=7
